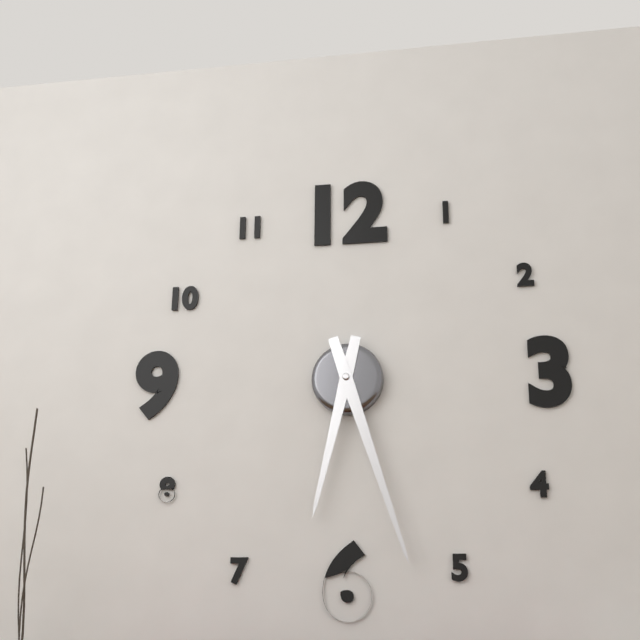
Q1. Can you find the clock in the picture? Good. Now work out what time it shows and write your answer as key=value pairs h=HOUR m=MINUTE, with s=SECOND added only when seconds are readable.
h=6 m=27
